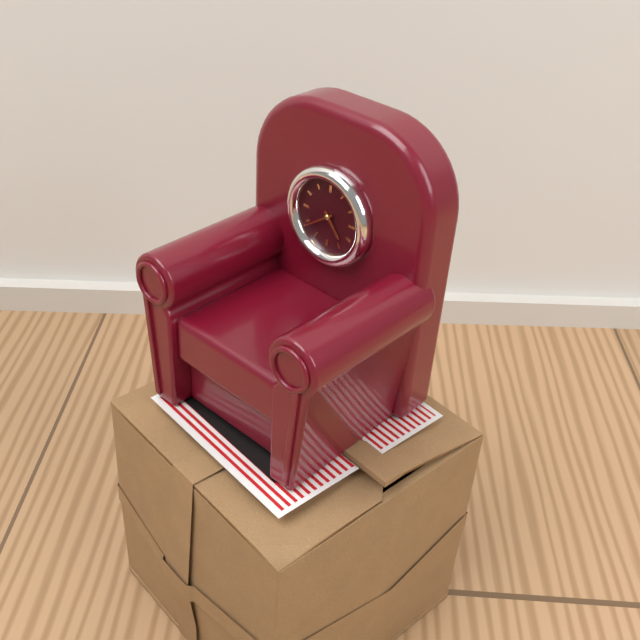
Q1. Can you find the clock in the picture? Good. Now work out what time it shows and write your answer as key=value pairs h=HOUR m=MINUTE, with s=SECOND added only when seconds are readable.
h=4 m=39
